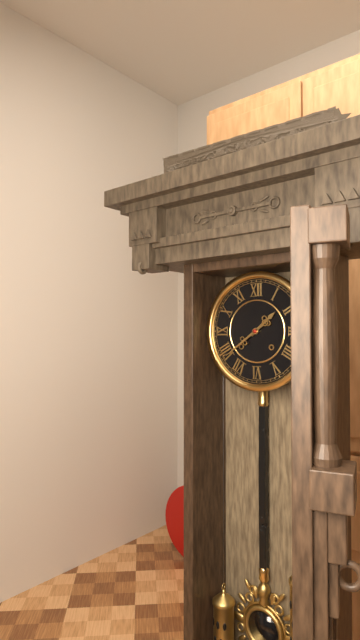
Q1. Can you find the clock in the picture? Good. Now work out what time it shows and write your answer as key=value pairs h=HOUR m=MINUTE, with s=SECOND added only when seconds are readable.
h=1 m=39
